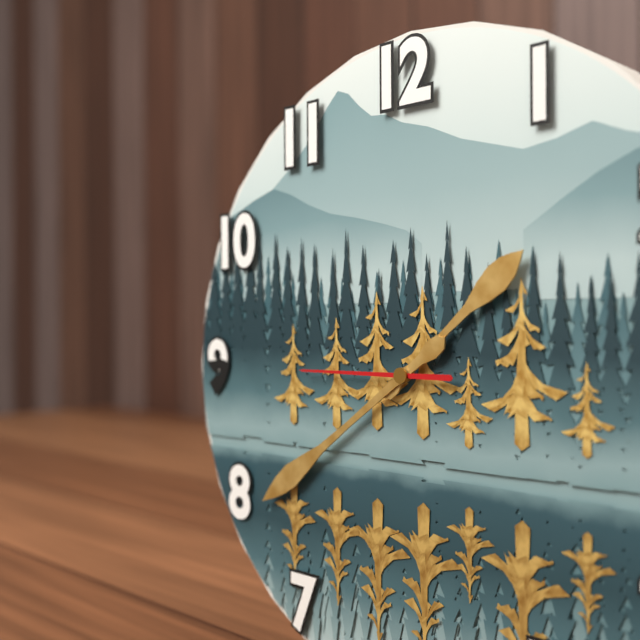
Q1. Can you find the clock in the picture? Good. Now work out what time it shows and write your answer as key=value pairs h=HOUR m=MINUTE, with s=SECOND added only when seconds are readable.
h=1 m=39 s=45
